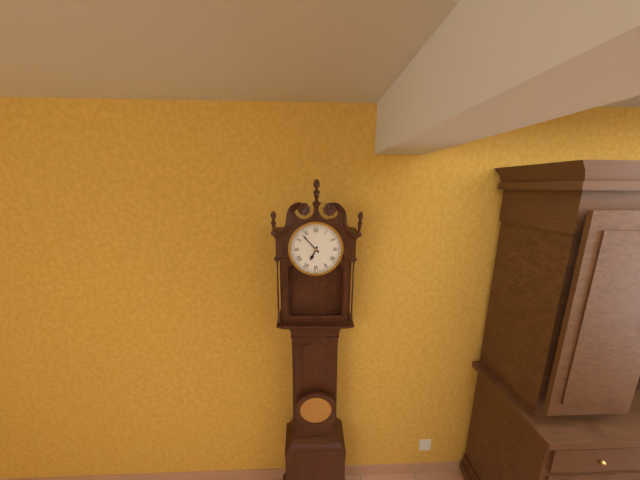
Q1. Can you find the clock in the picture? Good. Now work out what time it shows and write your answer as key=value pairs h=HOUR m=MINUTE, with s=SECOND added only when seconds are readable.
h=6 m=53
